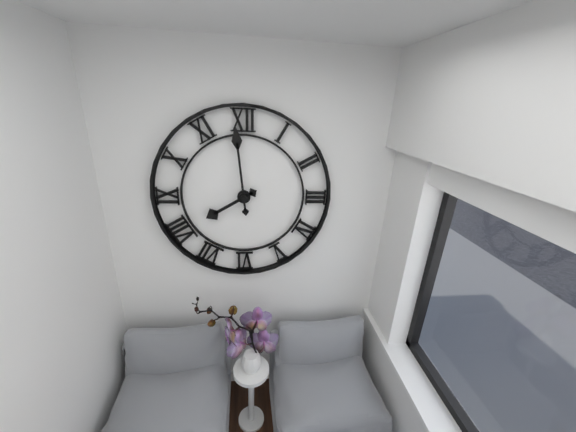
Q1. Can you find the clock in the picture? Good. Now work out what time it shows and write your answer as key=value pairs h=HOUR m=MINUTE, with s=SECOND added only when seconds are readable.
h=7 m=59
